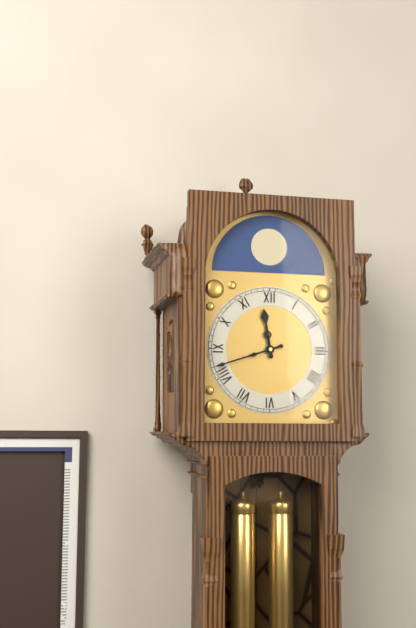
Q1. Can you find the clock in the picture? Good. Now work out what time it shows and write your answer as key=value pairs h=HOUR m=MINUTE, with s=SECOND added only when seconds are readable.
h=11 m=42
